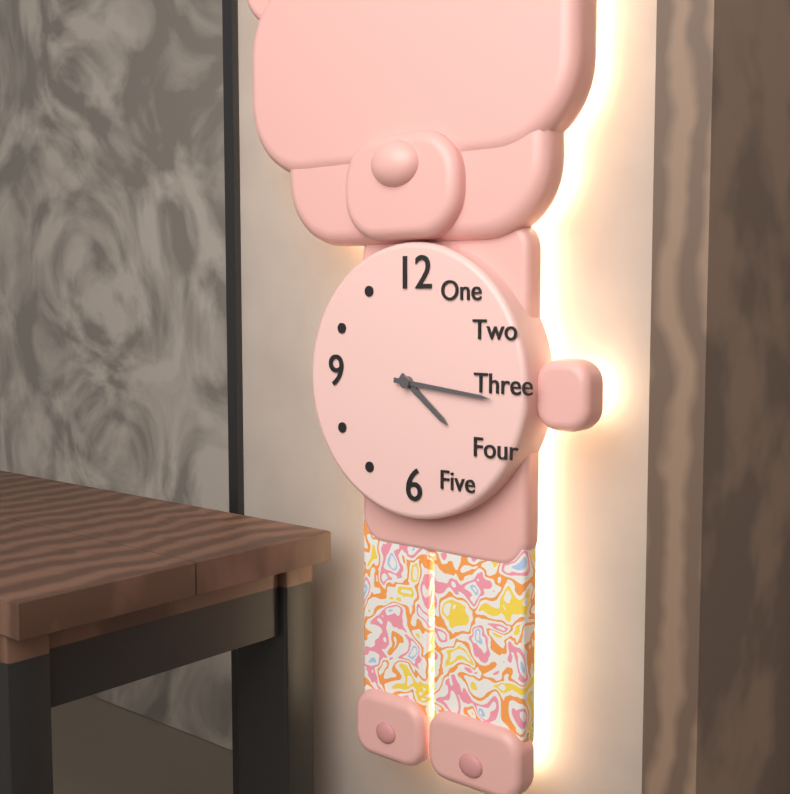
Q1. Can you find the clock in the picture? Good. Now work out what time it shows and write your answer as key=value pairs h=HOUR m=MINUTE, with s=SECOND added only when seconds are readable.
h=4 m=16
